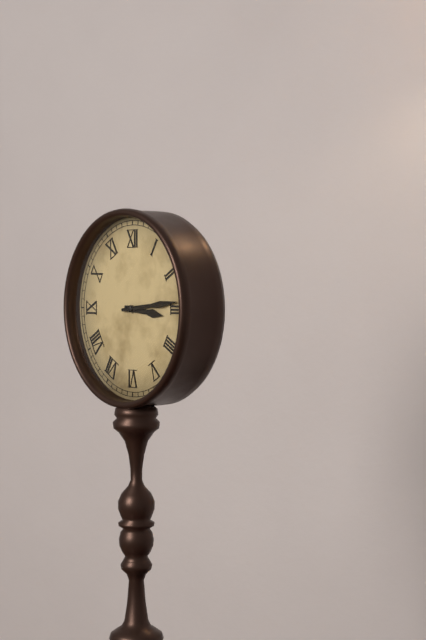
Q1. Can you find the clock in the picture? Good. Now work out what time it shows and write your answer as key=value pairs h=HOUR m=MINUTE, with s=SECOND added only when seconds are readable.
h=3 m=14
